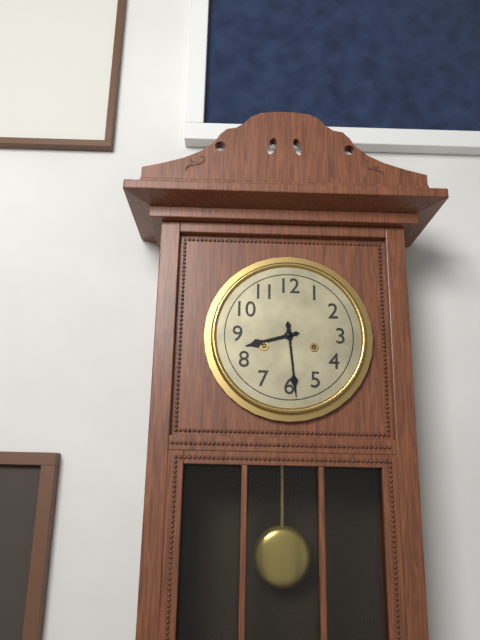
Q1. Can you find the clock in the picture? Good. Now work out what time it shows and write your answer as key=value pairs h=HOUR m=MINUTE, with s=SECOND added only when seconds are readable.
h=8 m=29
